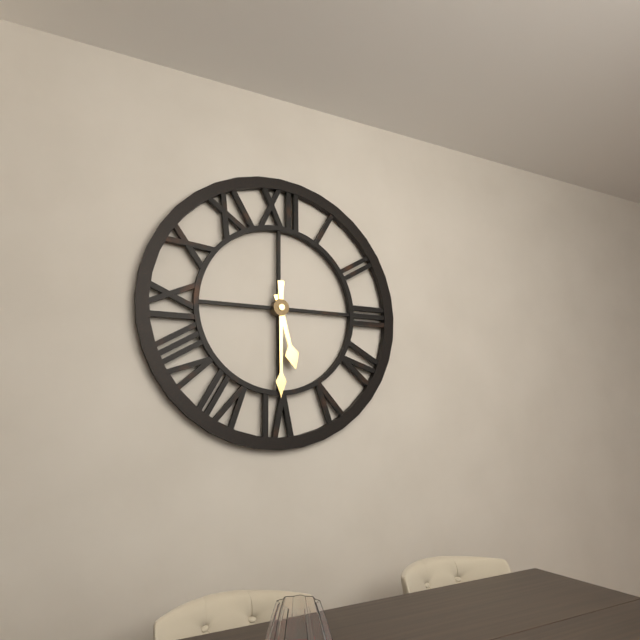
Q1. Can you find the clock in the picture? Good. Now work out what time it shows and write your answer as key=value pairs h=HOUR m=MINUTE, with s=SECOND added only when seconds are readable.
h=5 m=30
